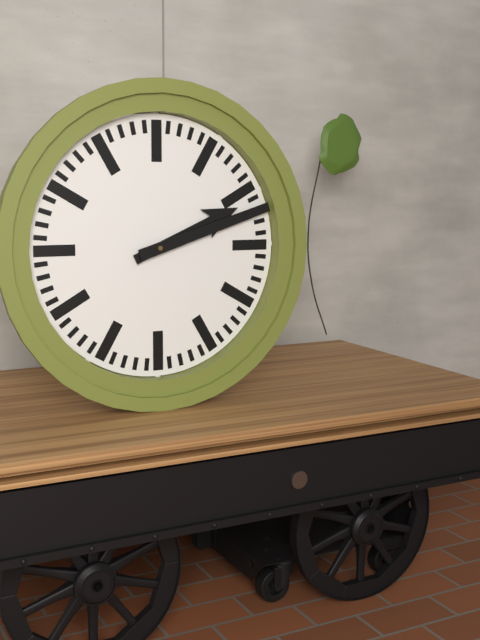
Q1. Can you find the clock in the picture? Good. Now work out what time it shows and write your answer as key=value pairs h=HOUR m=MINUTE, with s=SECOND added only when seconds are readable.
h=2 m=12
